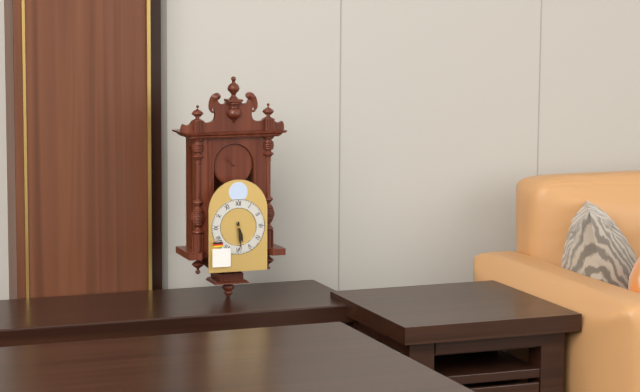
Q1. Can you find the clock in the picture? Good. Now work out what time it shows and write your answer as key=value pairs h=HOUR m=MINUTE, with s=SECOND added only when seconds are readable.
h=5 m=29
